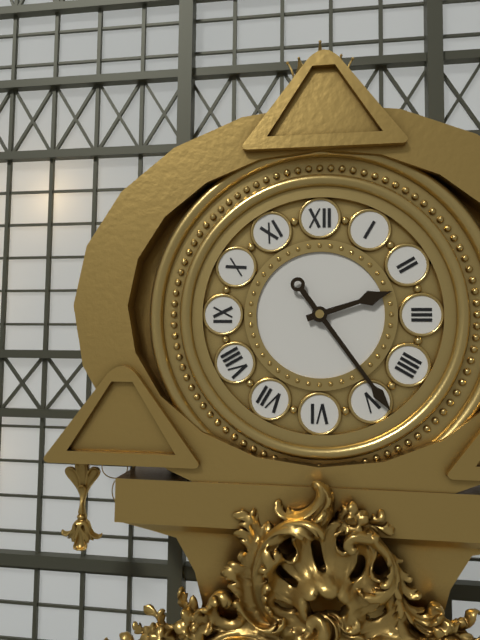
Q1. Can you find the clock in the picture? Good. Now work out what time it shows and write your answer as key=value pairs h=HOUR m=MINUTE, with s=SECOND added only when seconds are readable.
h=2 m=24
